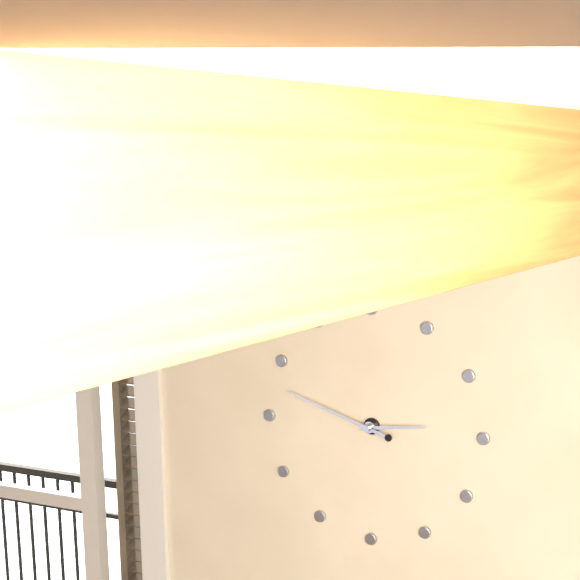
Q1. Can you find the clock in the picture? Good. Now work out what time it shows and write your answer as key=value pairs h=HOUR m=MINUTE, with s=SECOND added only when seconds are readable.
h=2 m=48
